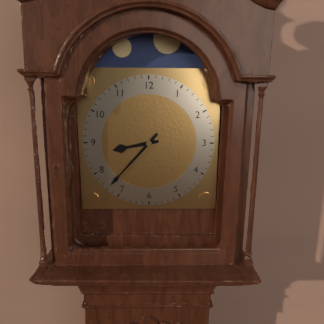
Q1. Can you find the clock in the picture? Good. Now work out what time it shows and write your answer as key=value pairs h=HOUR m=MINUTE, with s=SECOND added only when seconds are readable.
h=8 m=37
